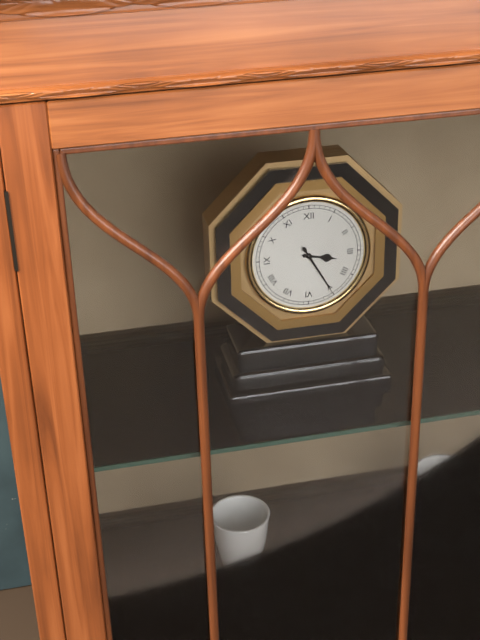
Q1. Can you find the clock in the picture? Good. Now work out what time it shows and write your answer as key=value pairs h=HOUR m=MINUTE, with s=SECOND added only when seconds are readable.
h=3 m=25
